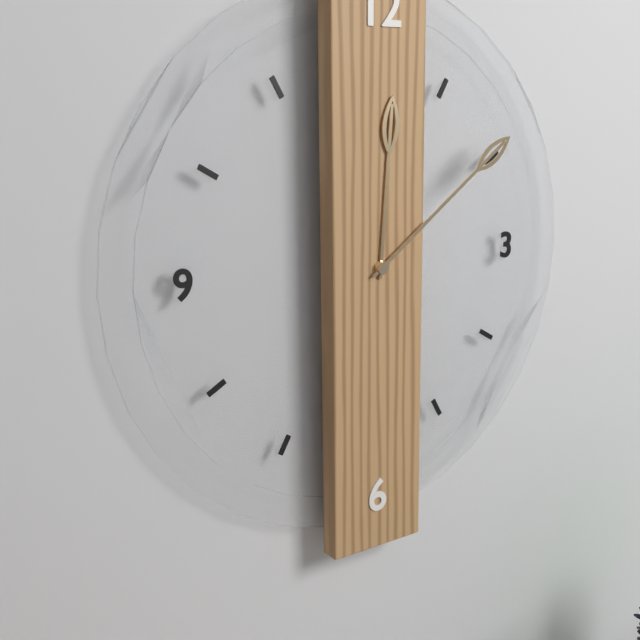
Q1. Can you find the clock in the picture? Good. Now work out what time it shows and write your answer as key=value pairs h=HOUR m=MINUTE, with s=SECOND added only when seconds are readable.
h=12 m=9
